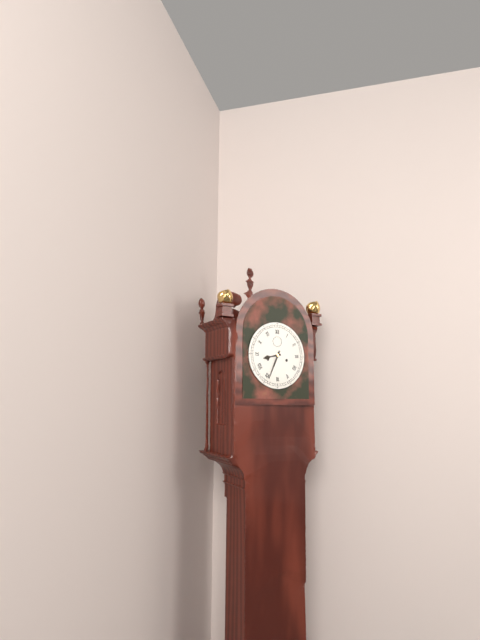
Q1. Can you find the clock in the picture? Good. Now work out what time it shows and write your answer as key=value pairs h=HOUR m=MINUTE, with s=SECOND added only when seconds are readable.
h=8 m=34
